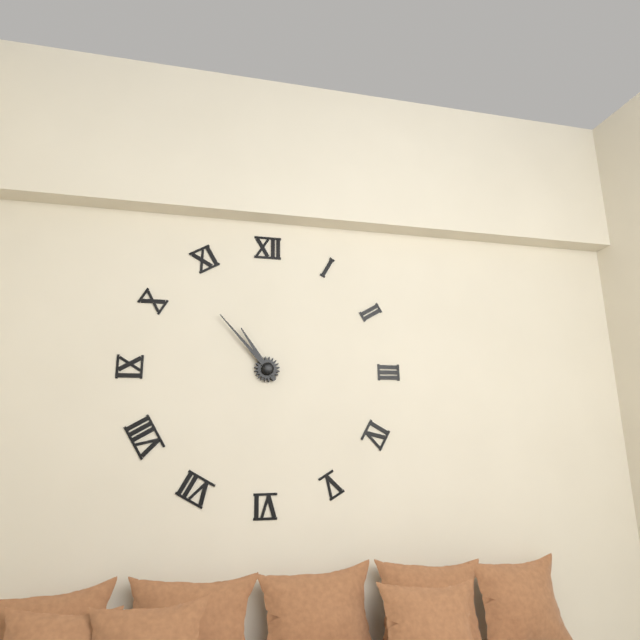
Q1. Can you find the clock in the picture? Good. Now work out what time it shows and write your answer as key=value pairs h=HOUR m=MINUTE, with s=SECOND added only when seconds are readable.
h=10 m=53
